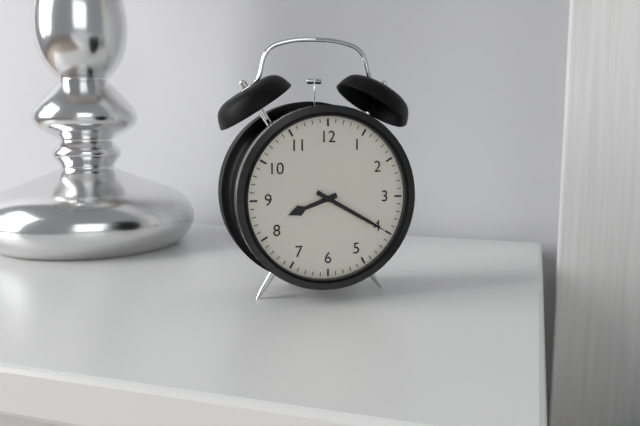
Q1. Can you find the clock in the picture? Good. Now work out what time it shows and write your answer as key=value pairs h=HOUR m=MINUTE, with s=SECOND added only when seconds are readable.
h=8 m=20
